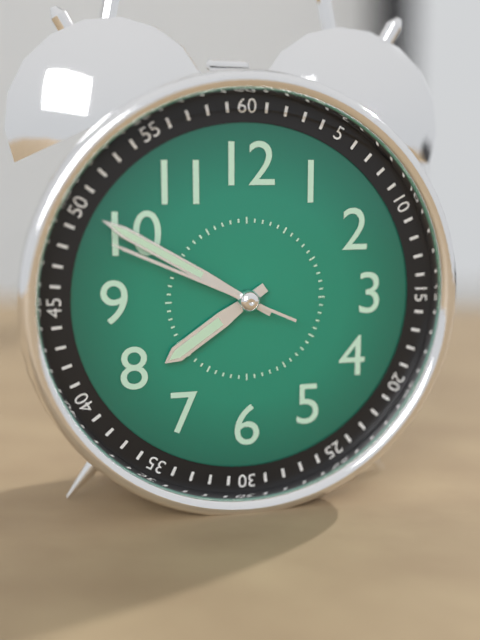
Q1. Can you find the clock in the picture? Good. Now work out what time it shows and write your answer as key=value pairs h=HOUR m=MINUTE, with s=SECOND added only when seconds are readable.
h=7 m=50 s=49
